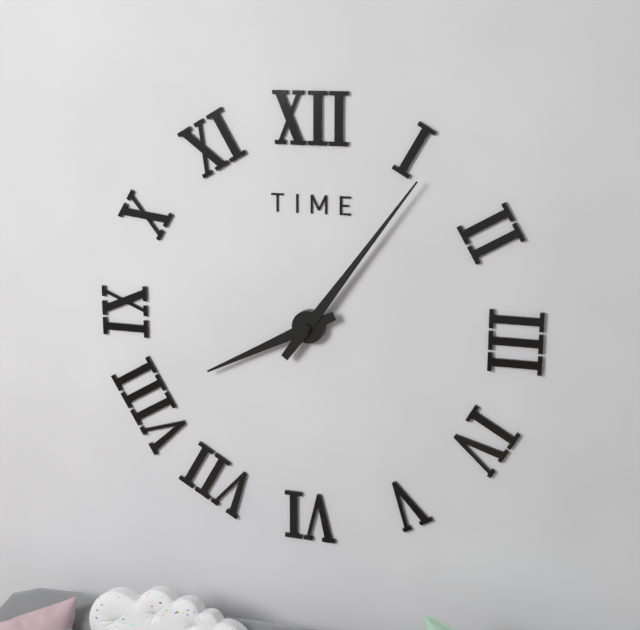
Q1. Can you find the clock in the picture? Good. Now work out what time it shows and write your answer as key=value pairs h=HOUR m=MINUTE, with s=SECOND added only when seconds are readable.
h=8 m=6
